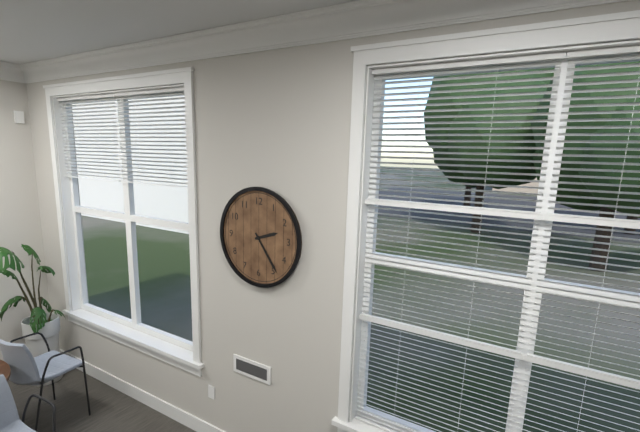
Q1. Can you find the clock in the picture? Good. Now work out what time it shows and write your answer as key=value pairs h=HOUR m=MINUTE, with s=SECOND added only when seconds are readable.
h=2 m=24
